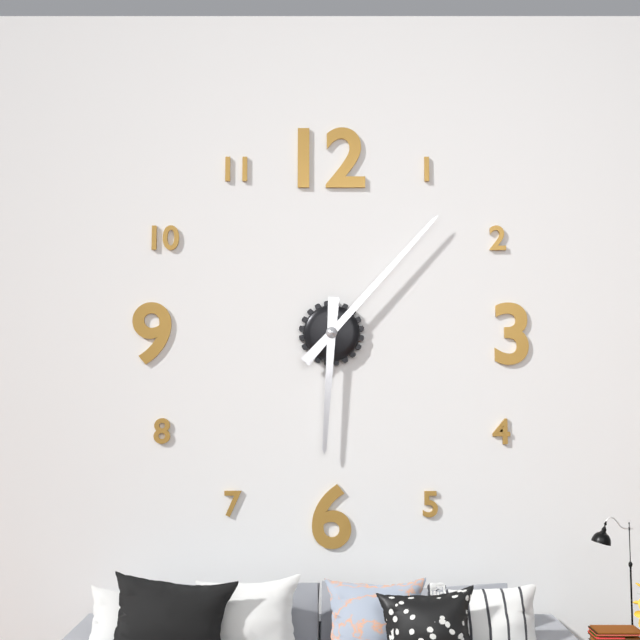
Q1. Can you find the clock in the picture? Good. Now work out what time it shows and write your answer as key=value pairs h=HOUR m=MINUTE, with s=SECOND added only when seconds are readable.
h=6 m=7
